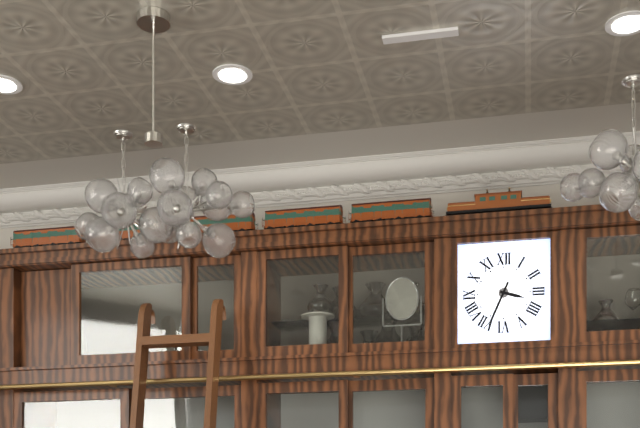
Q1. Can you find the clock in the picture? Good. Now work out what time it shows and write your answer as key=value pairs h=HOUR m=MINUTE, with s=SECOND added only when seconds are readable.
h=3 m=34
